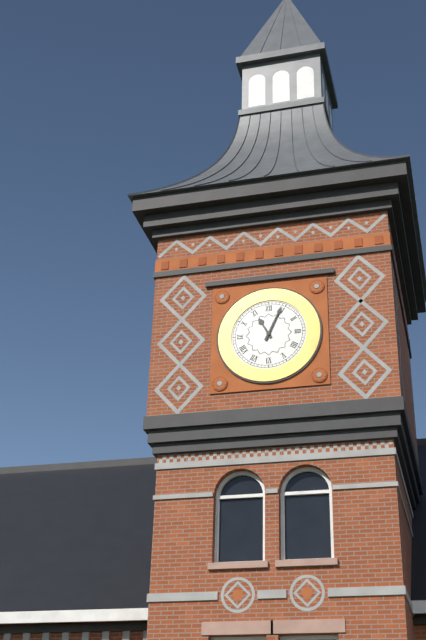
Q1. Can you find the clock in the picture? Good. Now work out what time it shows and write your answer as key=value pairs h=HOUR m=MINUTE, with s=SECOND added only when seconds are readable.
h=11 m=4
